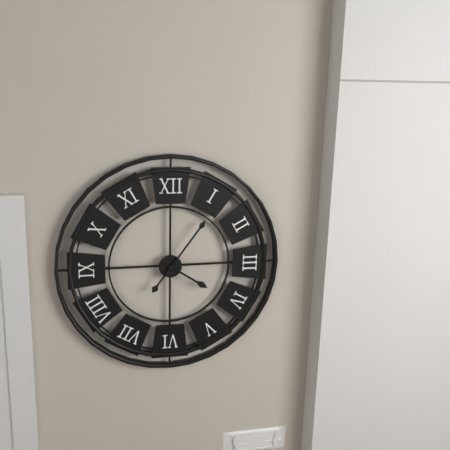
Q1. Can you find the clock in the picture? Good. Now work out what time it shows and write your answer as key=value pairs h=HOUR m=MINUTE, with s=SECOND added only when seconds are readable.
h=4 m=6
